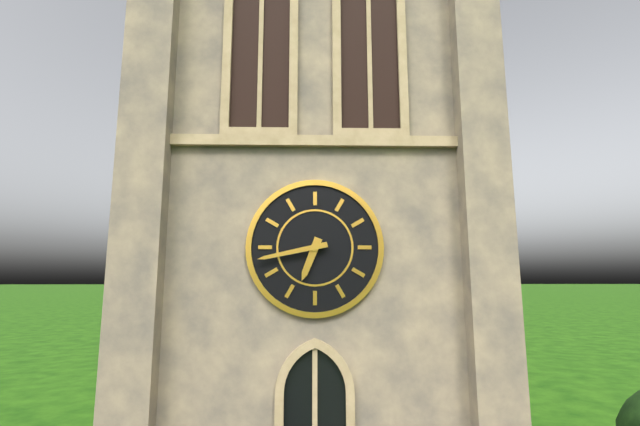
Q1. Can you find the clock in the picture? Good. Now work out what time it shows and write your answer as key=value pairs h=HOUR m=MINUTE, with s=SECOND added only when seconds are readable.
h=6 m=43
